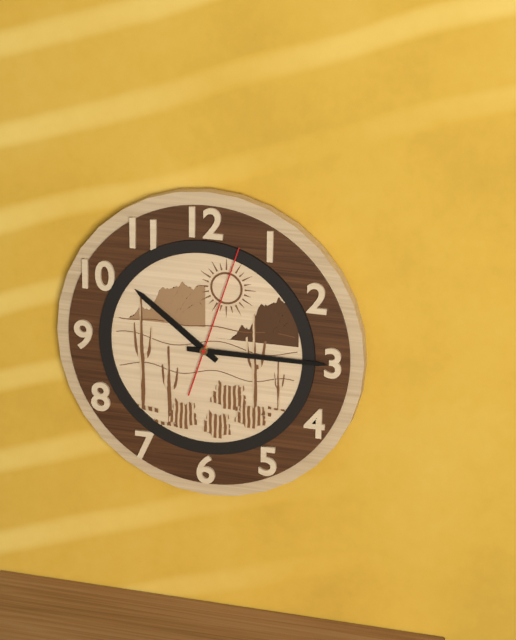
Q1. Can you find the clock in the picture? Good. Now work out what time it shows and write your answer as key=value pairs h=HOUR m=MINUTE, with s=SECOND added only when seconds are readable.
h=10 m=15 s=3
